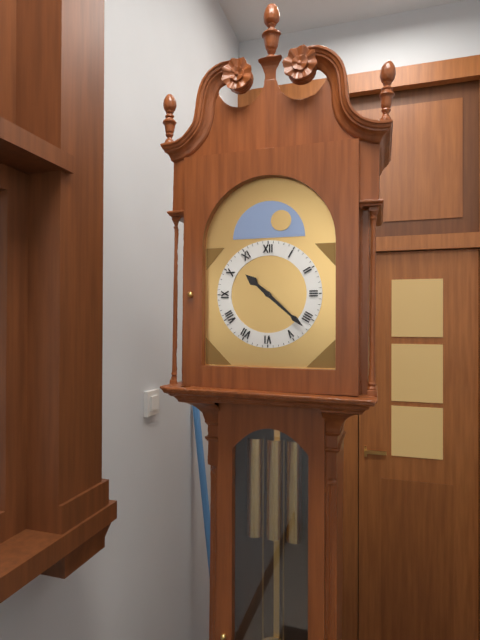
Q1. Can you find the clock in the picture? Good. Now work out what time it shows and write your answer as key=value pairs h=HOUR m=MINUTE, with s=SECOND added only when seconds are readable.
h=10 m=22
